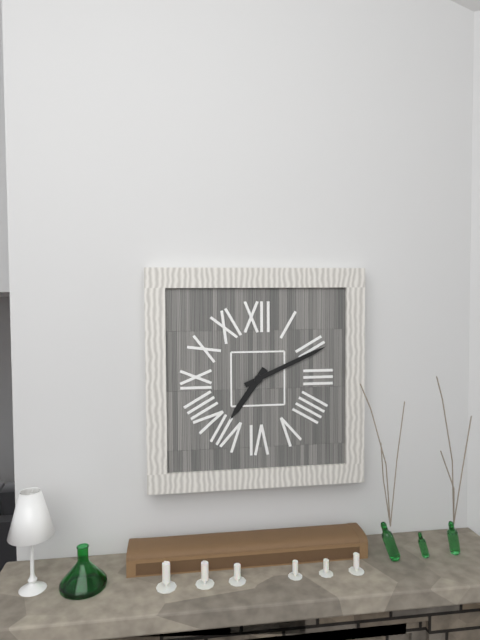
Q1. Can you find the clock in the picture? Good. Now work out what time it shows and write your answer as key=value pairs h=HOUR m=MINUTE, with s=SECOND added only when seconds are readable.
h=7 m=11
